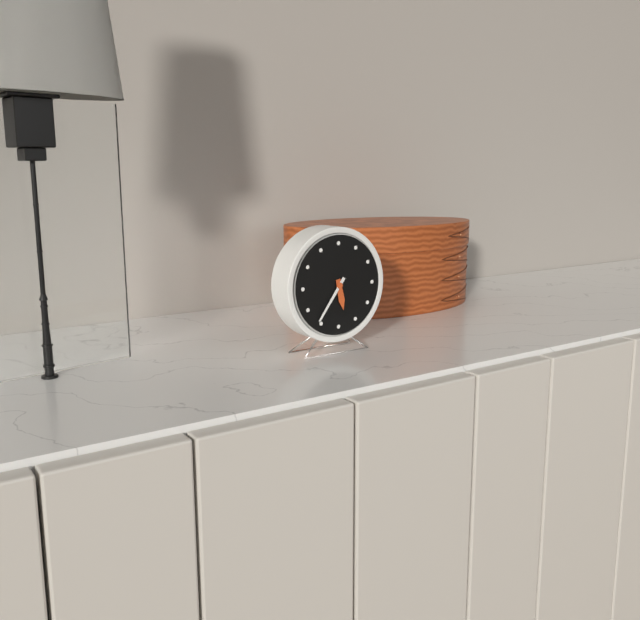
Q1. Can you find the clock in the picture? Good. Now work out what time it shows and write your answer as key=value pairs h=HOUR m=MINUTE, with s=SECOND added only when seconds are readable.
h=5 m=36
